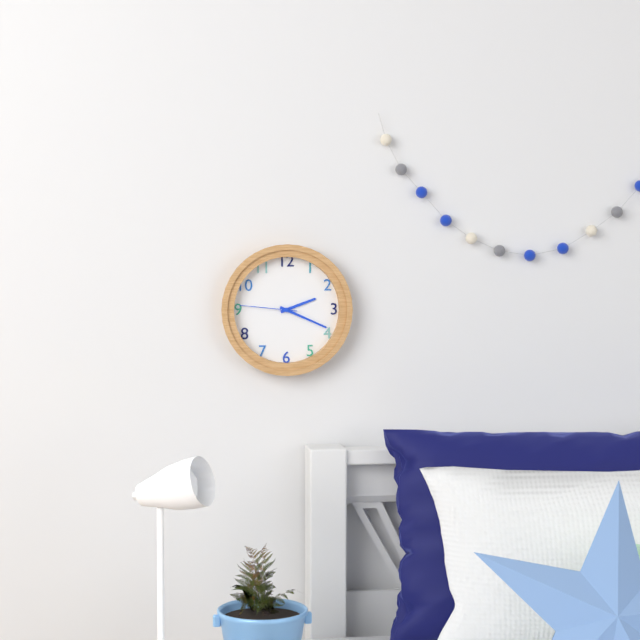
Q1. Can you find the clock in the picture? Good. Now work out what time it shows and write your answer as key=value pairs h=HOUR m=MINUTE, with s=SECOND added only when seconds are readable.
h=2 m=19 s=46
